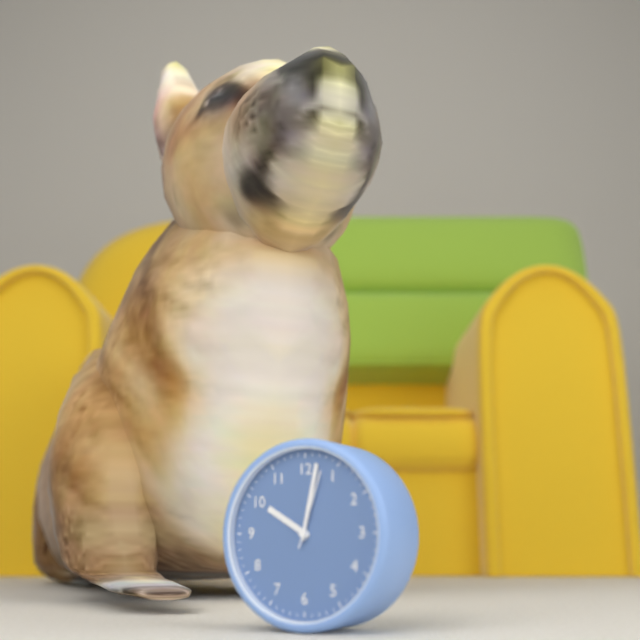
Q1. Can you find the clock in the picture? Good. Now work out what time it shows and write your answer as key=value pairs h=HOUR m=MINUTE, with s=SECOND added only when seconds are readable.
h=10 m=2 s=3
